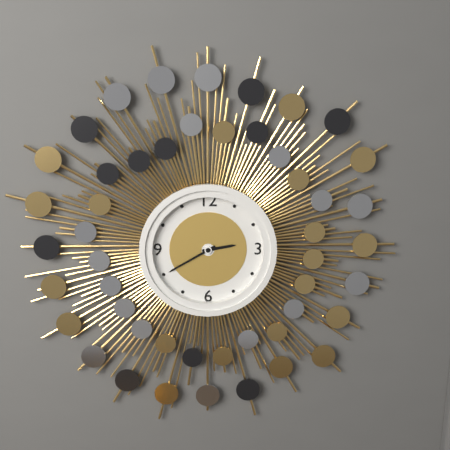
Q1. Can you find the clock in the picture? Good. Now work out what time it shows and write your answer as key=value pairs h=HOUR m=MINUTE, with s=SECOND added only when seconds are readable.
h=2 m=40
